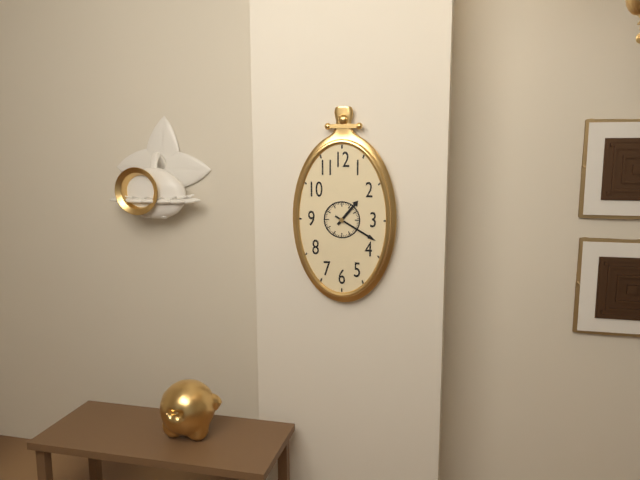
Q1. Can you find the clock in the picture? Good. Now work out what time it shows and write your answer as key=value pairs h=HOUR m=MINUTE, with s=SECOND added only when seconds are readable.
h=1 m=20
